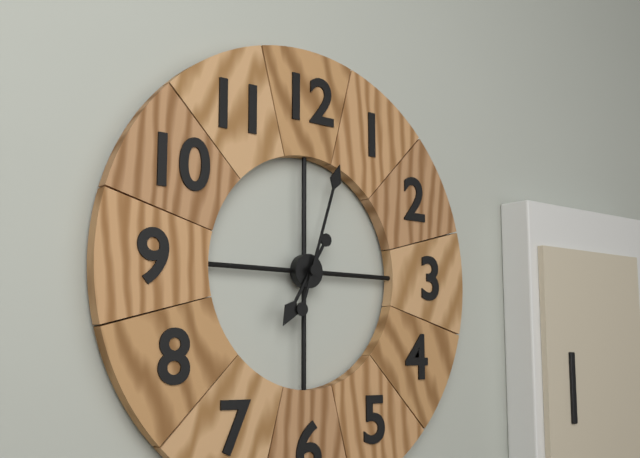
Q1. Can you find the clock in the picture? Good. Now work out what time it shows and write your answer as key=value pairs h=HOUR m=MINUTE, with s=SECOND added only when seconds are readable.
h=7 m=3
